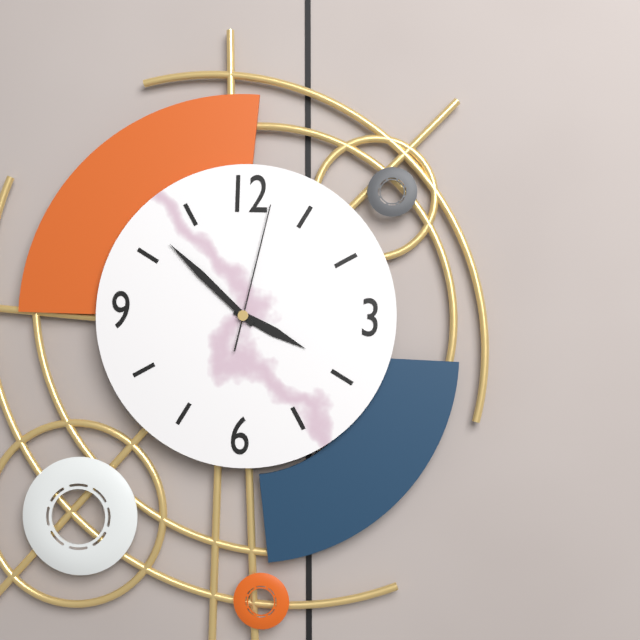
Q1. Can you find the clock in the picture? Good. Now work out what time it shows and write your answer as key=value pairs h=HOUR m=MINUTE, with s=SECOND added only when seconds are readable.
h=3 m=52 s=2
